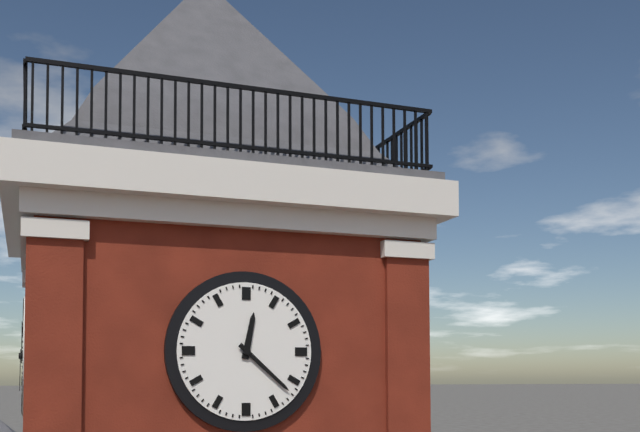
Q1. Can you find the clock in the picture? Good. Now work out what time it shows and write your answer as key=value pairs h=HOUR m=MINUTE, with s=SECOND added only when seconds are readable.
h=12 m=22
